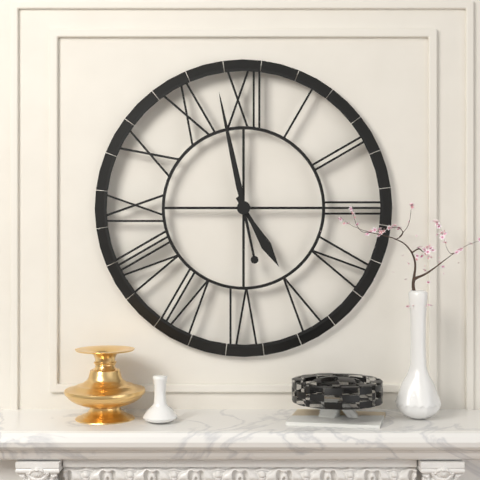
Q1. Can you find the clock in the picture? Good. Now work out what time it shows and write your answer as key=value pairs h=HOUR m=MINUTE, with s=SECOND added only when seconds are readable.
h=4 m=58
